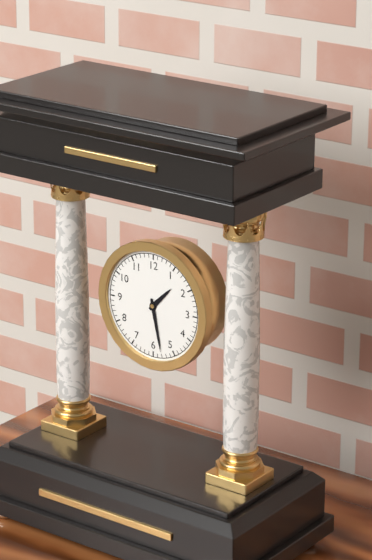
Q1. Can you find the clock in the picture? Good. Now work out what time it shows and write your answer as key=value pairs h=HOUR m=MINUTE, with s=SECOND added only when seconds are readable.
h=1 m=28
